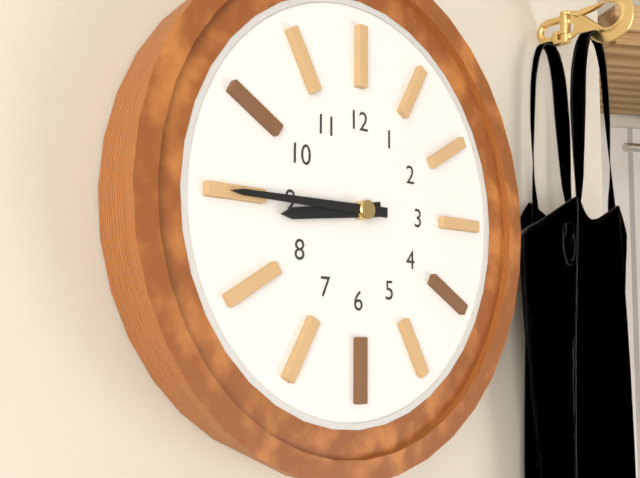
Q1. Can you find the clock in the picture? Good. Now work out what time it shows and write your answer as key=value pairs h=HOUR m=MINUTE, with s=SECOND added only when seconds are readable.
h=8 m=45
